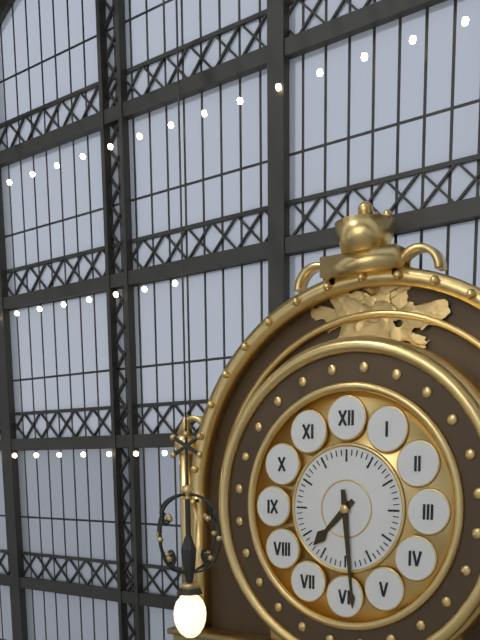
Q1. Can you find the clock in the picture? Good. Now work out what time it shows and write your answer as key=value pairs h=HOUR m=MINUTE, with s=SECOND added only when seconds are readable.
h=7 m=29
